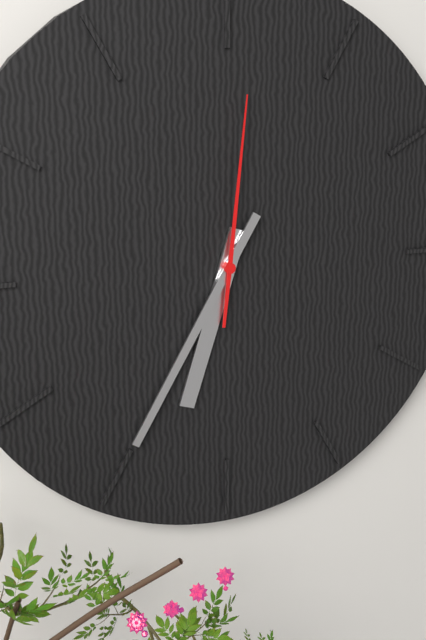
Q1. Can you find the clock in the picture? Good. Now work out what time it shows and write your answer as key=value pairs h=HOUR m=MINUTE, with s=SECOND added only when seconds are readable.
h=6 m=35 s=1
